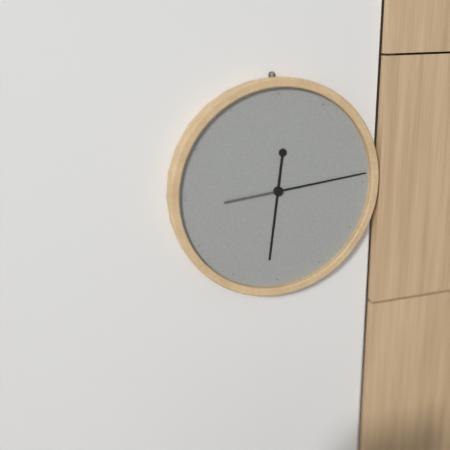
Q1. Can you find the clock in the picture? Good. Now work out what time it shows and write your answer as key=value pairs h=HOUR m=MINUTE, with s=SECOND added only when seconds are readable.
h=6 m=14
